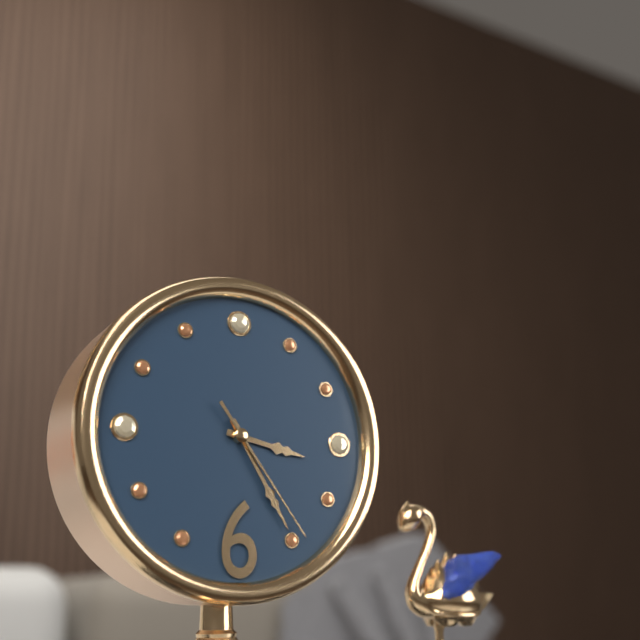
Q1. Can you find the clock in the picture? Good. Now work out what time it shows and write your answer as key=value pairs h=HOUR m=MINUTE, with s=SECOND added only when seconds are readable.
h=3 m=25 s=24
